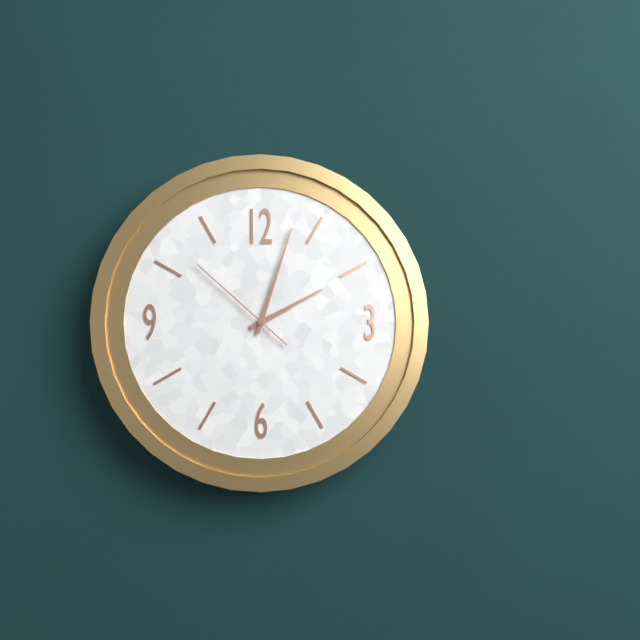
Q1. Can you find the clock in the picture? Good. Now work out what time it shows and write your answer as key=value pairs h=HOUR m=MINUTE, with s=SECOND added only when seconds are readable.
h=2 m=3 s=52
